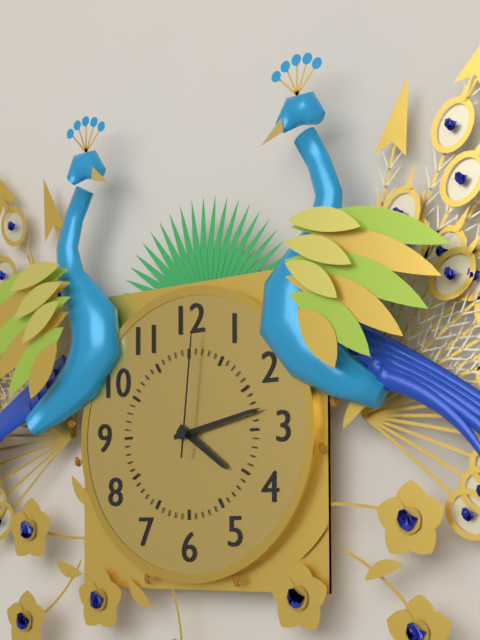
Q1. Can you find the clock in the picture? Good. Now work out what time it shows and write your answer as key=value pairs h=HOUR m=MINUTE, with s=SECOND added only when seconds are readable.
h=4 m=13 s=1
